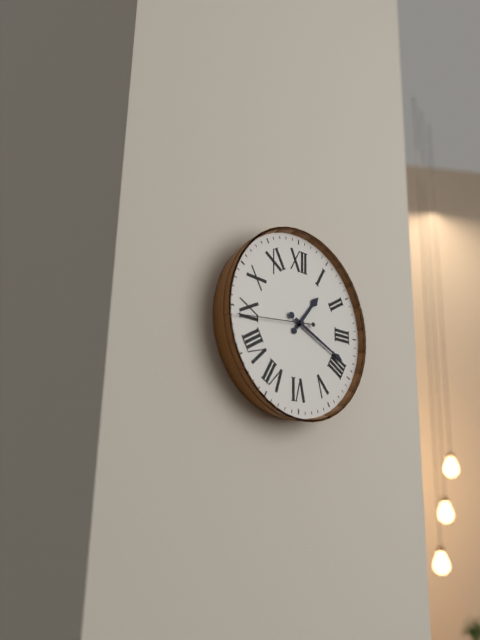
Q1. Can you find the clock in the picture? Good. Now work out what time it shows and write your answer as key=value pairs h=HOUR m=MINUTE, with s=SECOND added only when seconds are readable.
h=1 m=19 s=44
